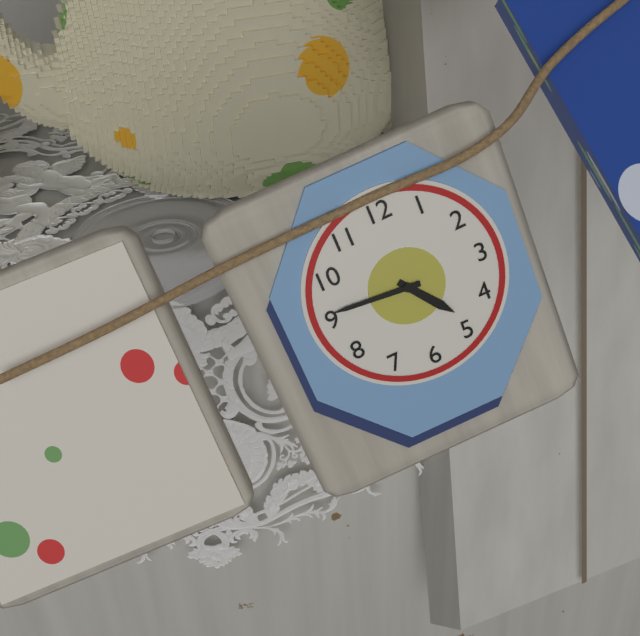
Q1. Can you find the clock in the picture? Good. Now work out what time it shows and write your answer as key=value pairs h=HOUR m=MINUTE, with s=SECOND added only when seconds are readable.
h=4 m=46
